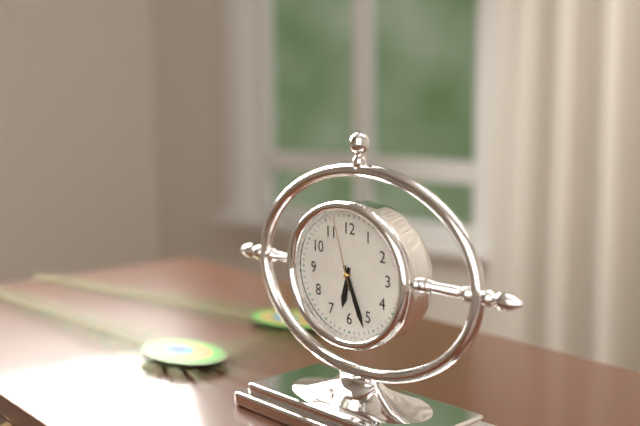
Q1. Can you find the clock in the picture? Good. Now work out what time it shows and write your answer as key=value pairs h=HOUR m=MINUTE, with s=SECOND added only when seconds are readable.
h=6 m=26 s=57
